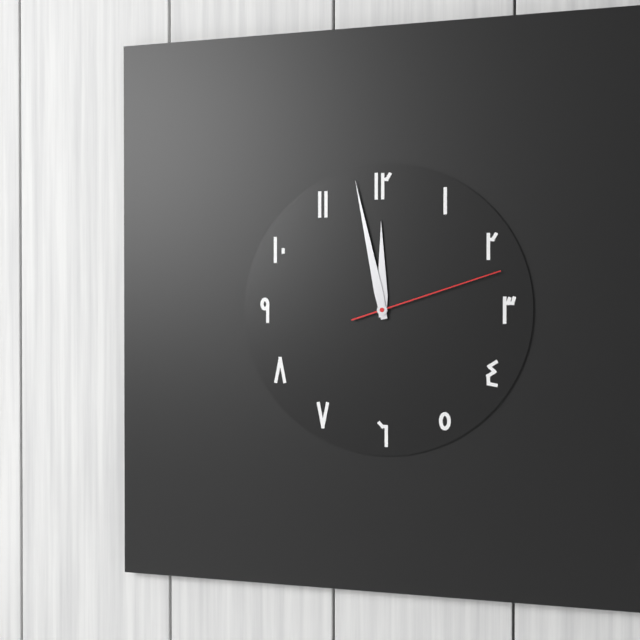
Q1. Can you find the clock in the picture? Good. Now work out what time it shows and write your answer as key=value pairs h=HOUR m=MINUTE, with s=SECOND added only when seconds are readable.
h=11 m=58 s=12
